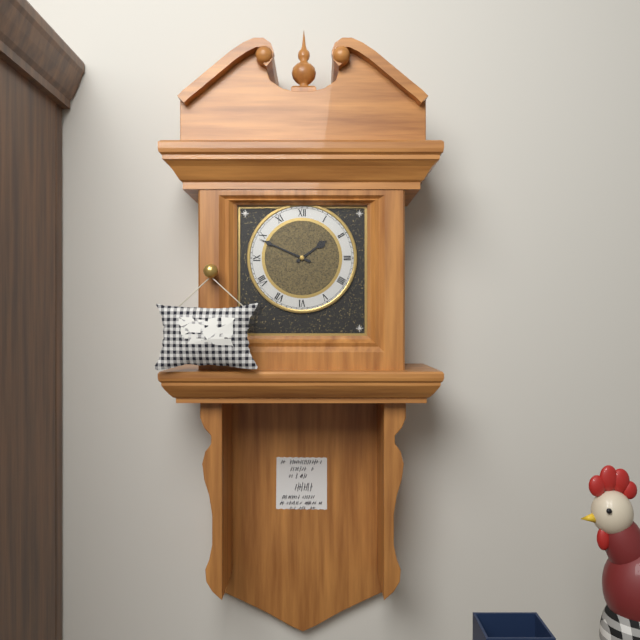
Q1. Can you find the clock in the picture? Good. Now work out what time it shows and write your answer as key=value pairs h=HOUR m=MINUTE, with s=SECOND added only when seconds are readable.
h=1 m=49
